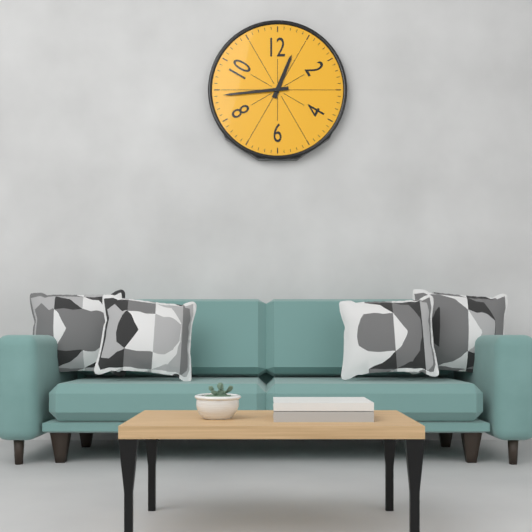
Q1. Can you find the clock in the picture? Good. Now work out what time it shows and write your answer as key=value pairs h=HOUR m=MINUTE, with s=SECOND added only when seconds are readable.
h=12 m=44
